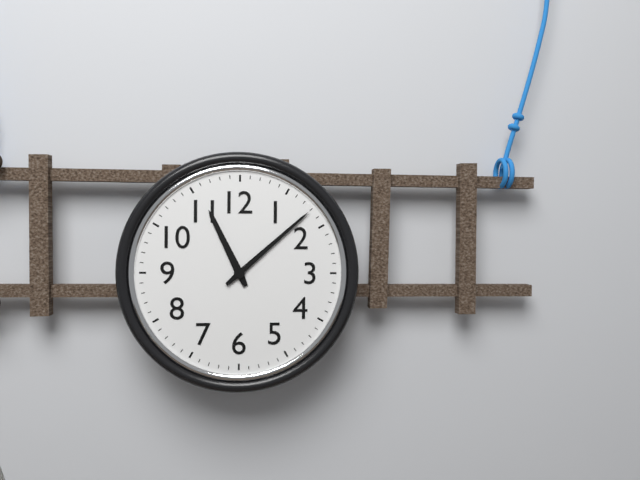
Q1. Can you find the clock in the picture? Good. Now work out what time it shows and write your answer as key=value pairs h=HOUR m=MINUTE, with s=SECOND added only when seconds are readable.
h=11 m=8
